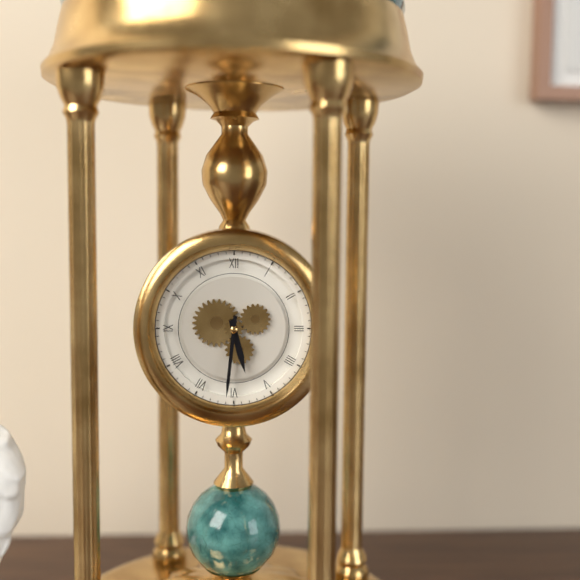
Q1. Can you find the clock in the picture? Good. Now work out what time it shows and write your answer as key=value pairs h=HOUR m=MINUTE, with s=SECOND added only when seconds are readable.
h=5 m=31
